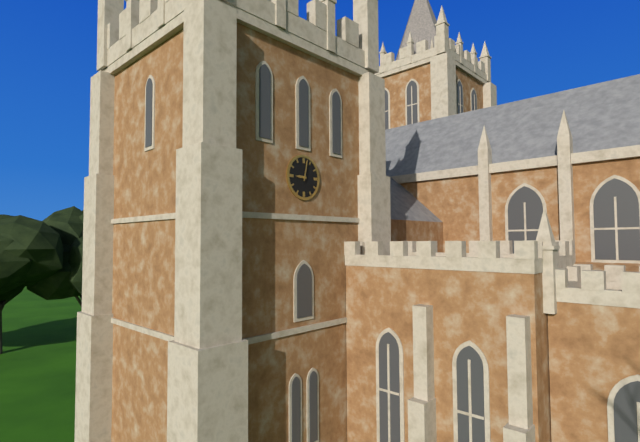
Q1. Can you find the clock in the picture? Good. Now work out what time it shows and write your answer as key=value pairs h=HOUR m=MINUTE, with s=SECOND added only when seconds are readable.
h=9 m=2
